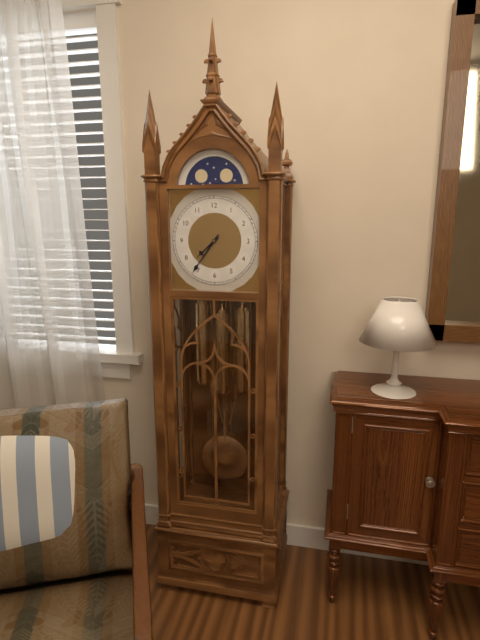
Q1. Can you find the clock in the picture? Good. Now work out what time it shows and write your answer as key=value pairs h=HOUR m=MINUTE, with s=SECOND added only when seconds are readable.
h=7 m=36
